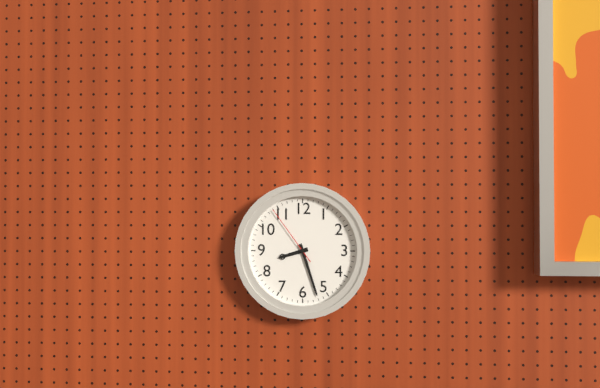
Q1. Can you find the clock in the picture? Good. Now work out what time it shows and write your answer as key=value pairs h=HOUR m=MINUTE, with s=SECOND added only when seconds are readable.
h=8 m=27 s=54
